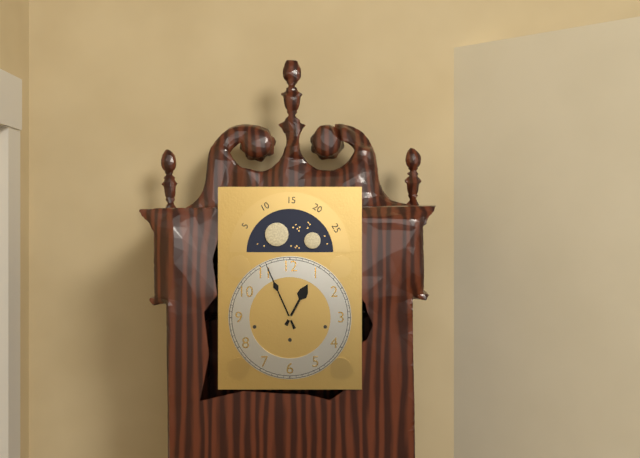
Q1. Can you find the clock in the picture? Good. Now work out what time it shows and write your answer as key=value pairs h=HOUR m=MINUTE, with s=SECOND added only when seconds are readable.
h=12 m=56
